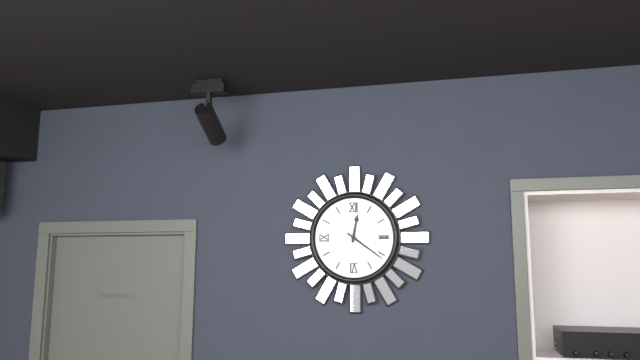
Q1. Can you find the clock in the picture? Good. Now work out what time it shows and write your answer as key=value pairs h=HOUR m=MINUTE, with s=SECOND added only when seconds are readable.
h=12 m=21
